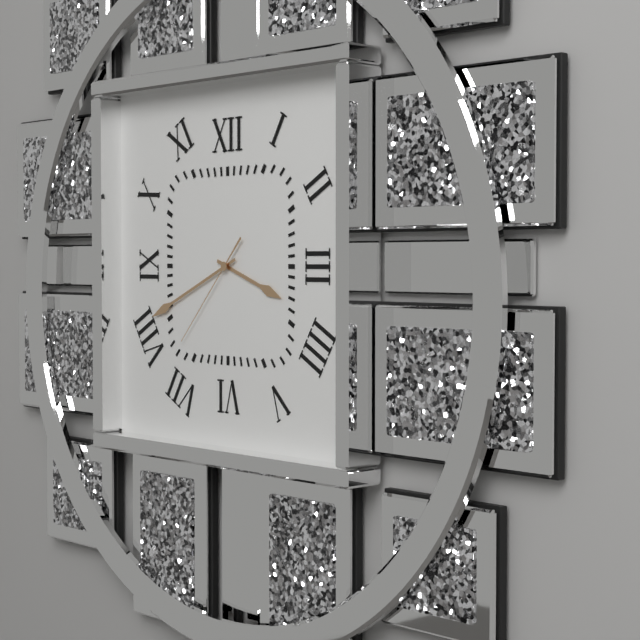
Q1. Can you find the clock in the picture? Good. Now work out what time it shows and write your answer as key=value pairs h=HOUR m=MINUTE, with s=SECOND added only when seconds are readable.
h=3 m=41 s=37
